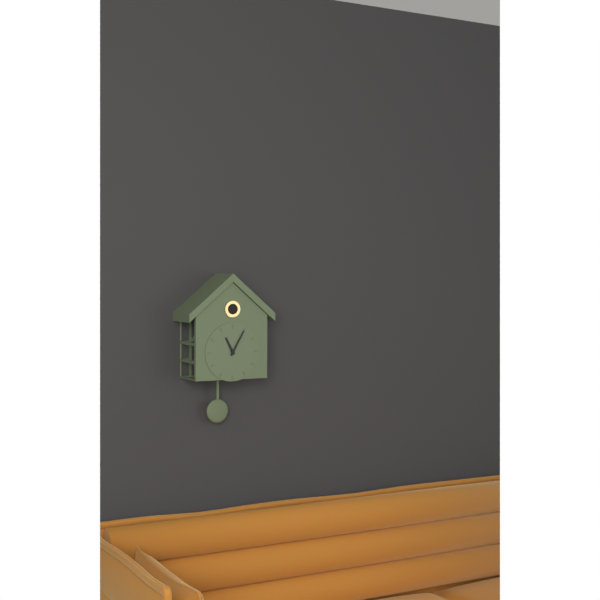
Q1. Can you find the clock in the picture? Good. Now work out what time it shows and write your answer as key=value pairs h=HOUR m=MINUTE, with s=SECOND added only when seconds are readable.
h=11 m=5
